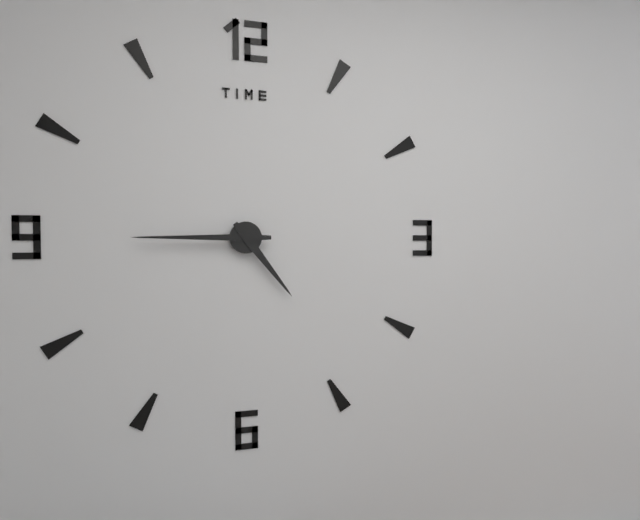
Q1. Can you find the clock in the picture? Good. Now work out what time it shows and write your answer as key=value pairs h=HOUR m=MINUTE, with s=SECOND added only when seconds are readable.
h=4 m=45
